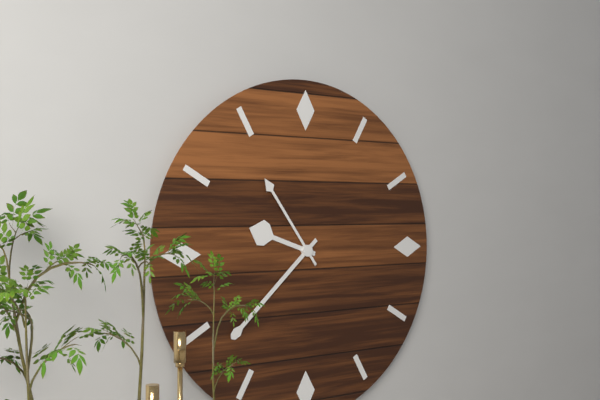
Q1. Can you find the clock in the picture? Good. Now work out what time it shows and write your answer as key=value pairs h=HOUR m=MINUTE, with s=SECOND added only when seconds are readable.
h=9 m=38 s=54
